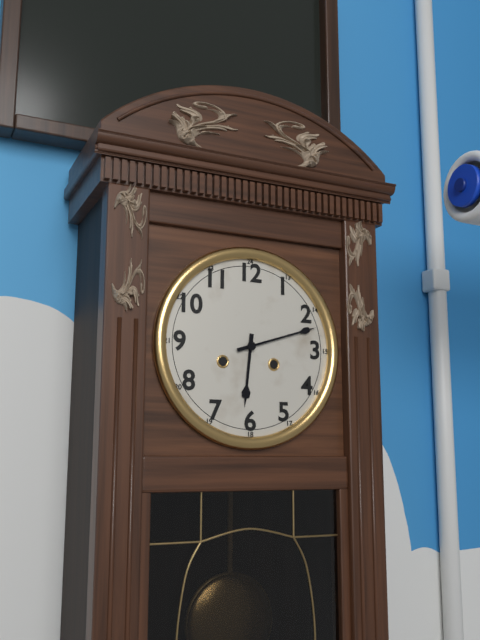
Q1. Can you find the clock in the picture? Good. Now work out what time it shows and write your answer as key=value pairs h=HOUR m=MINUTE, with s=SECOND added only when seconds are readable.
h=6 m=12
